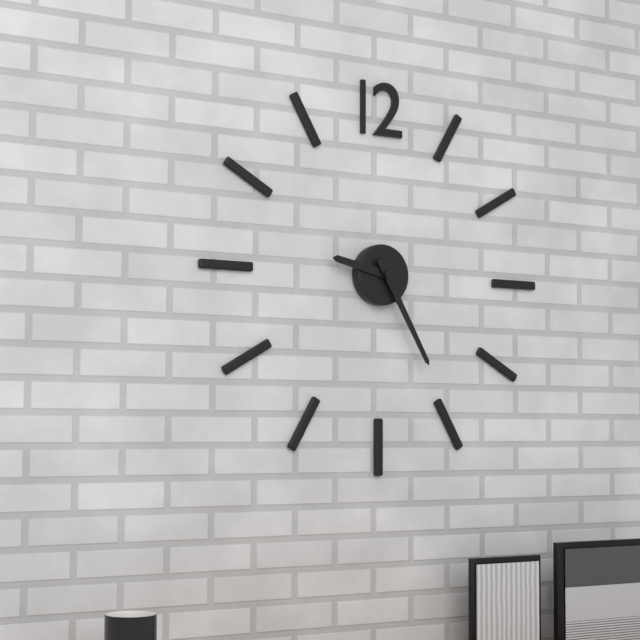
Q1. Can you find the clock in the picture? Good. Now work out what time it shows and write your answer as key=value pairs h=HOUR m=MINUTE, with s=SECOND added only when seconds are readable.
h=9 m=25
